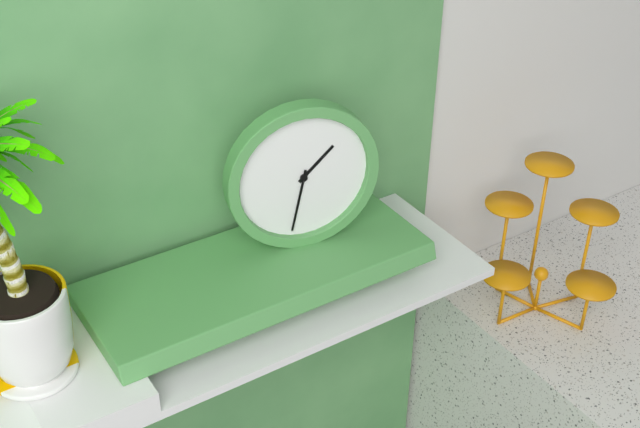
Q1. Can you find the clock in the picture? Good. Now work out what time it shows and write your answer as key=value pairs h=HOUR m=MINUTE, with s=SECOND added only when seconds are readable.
h=1 m=32
